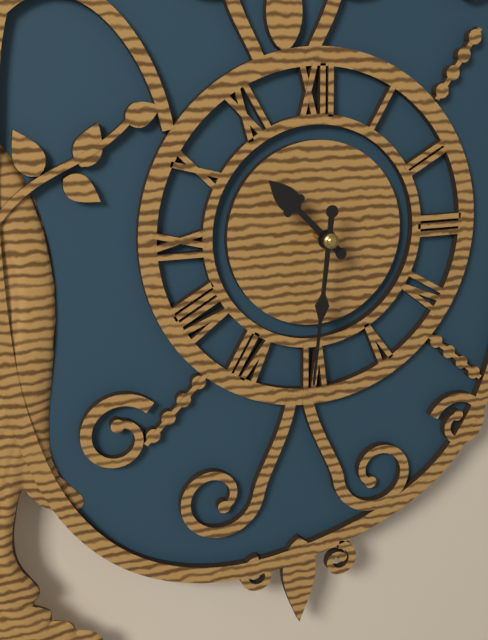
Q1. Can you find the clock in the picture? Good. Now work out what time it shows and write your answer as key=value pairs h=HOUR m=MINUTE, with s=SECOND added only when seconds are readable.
h=10 m=31
